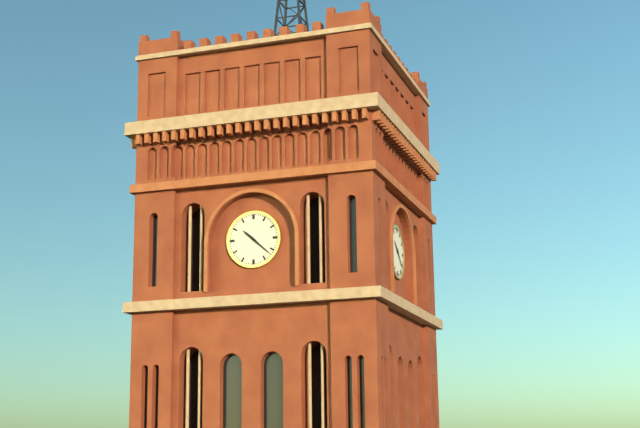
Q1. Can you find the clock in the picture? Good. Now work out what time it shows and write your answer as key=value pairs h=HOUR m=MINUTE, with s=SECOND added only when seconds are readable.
h=10 m=22
